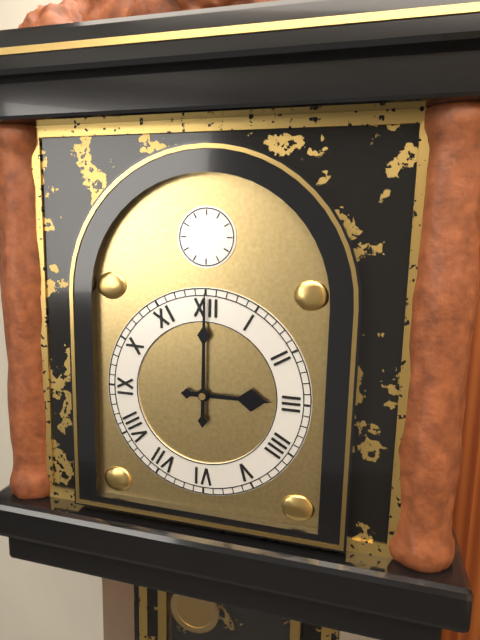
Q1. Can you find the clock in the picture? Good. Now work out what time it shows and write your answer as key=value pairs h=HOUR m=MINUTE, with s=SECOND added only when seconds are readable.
h=3 m=0
